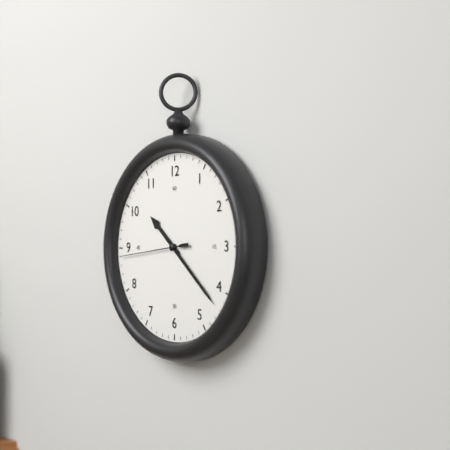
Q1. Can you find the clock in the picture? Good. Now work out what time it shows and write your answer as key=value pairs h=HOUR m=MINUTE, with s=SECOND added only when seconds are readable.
h=10 m=22 s=44
